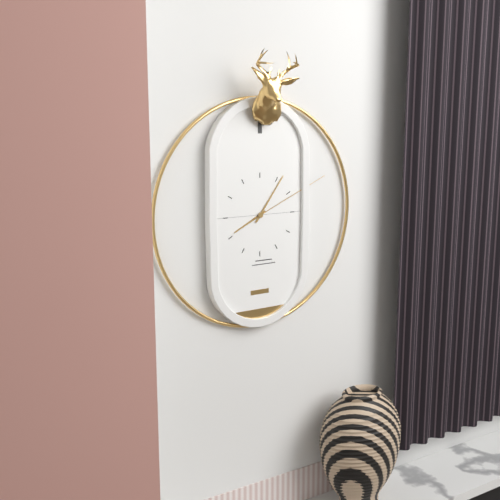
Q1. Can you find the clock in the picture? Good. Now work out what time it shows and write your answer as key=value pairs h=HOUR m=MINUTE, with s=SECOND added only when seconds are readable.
h=8 m=6 s=11
